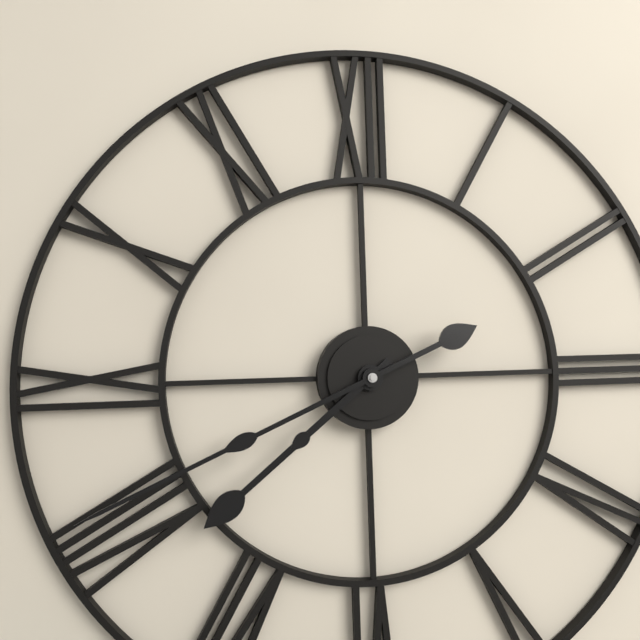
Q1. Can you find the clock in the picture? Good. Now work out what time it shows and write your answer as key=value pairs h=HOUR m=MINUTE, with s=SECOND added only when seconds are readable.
h=7 m=41
